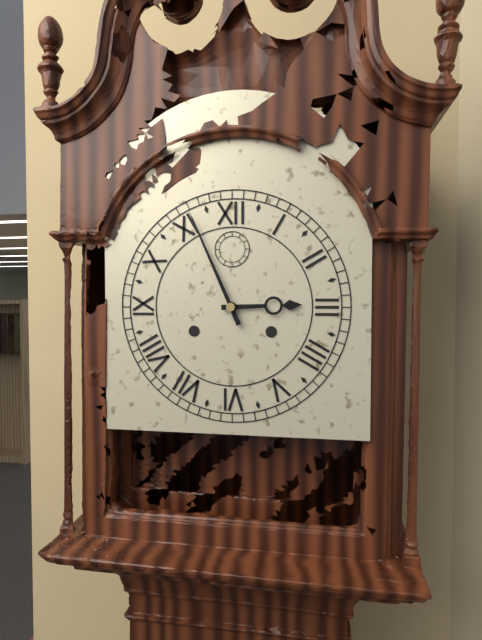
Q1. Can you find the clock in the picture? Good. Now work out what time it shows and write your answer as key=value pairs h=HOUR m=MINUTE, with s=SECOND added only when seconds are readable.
h=2 m=56
